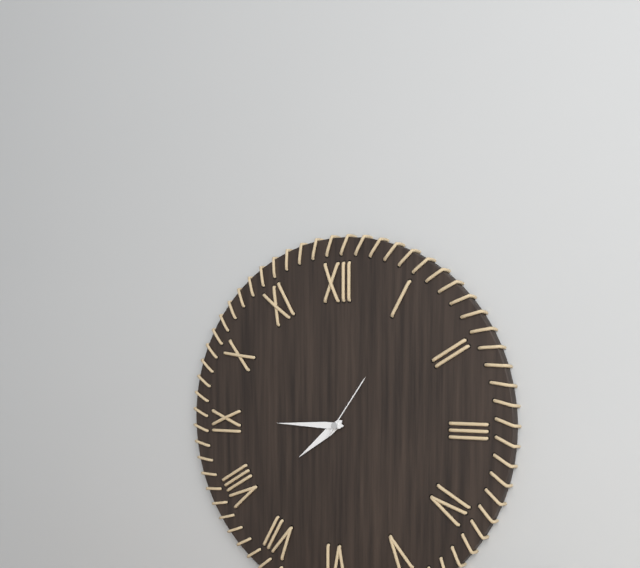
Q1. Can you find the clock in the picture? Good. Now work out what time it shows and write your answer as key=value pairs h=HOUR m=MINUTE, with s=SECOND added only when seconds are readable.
h=7 m=45 s=6
